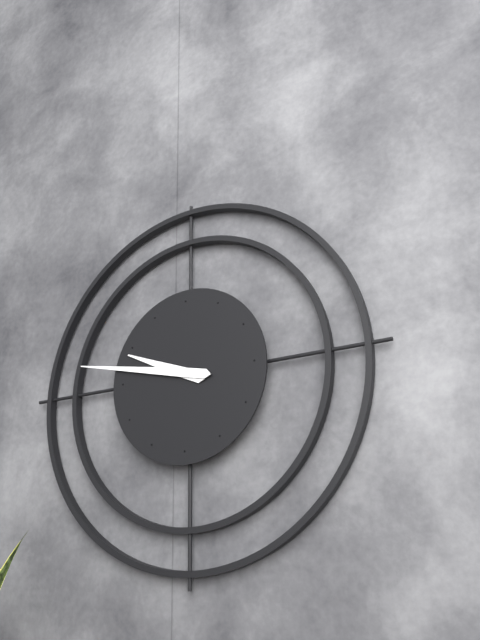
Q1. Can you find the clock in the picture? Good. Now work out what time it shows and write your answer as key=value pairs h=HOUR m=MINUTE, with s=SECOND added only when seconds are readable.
h=9 m=47
